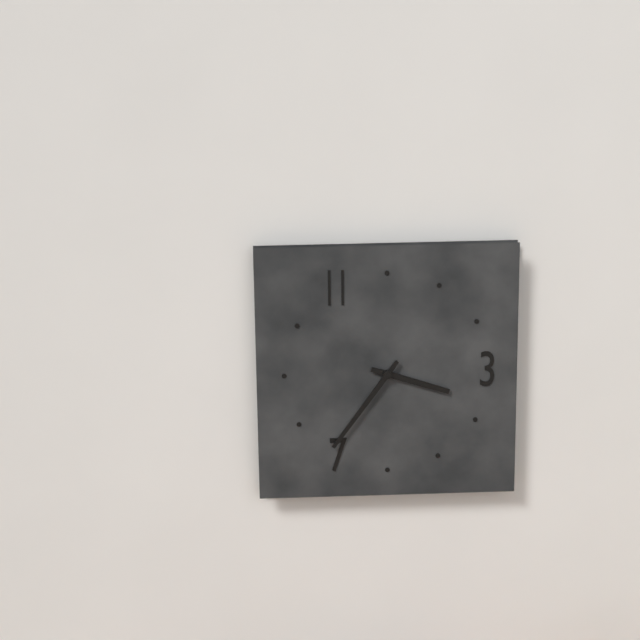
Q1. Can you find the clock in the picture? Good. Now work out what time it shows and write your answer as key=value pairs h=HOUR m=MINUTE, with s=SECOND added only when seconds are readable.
h=3 m=36
